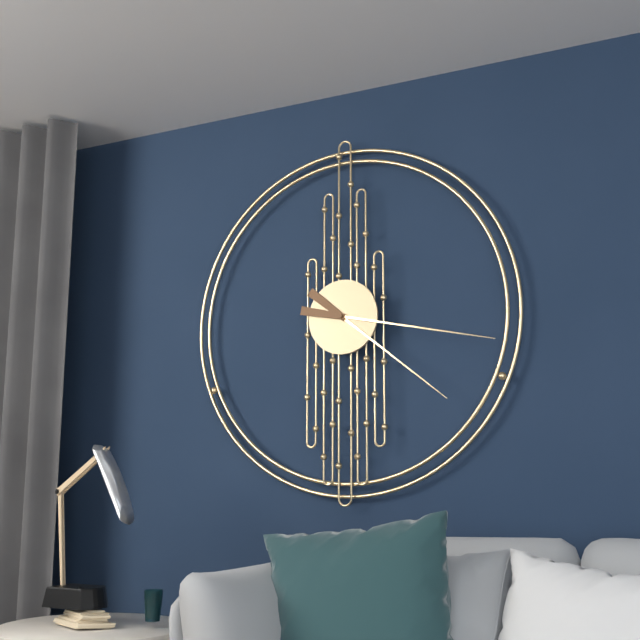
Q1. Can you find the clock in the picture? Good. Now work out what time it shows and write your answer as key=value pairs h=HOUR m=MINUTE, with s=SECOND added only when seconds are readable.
h=4 m=17
